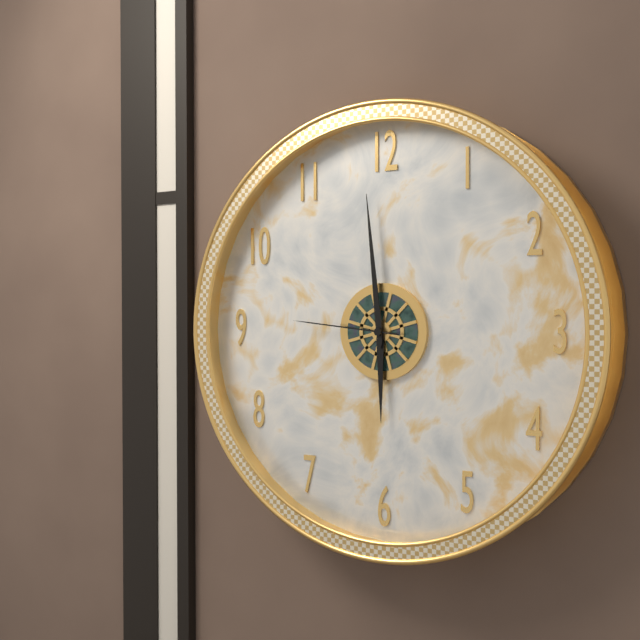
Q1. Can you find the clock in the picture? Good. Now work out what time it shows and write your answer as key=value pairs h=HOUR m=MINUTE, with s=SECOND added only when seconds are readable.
h=5 m=59 s=46
